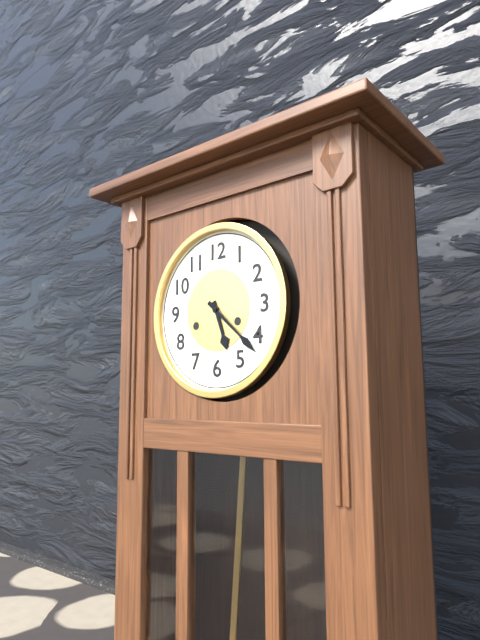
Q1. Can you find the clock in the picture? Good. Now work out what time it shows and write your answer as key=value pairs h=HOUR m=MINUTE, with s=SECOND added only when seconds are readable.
h=5 m=22
